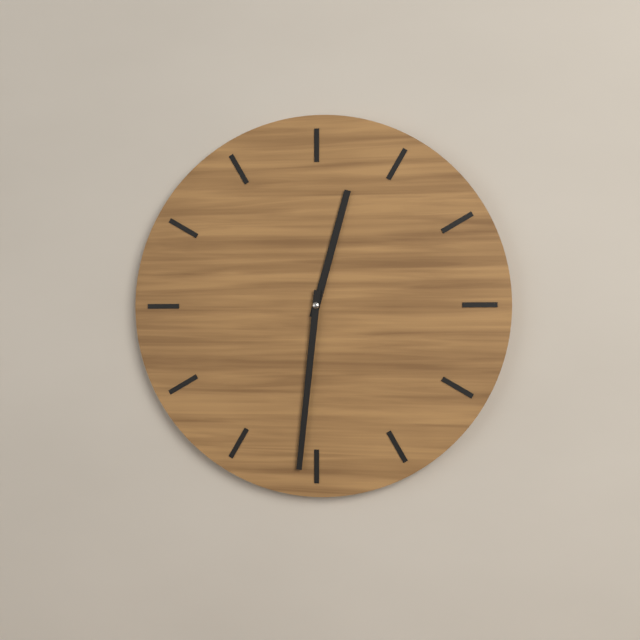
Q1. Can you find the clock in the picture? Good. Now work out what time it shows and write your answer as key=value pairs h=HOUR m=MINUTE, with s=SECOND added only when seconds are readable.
h=12 m=31
